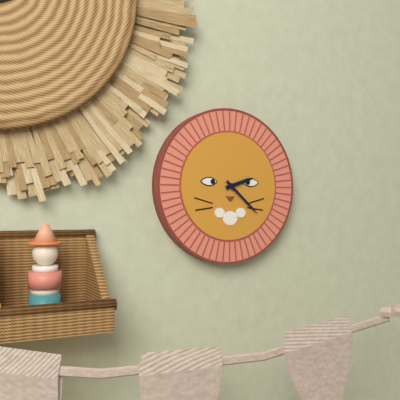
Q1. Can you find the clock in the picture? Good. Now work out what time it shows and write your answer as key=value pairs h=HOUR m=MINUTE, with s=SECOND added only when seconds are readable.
h=2 m=22
